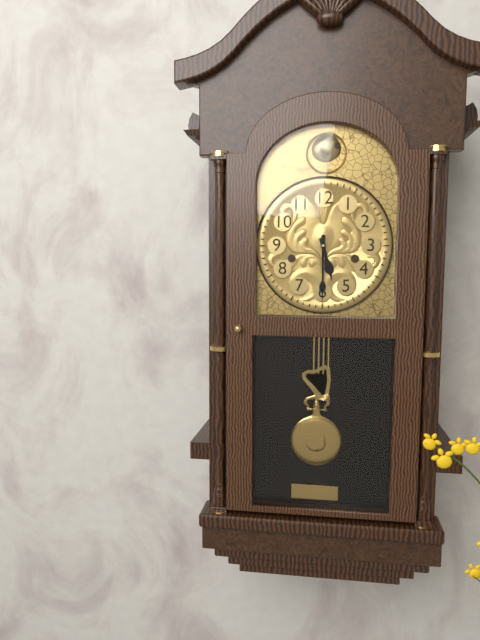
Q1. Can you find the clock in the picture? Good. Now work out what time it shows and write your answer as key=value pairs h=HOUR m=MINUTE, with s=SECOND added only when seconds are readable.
h=5 m=30
